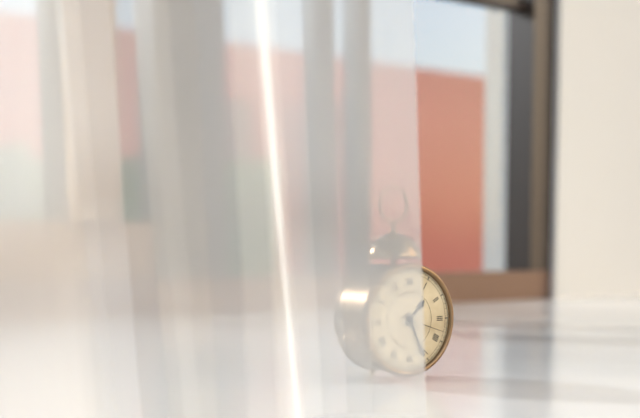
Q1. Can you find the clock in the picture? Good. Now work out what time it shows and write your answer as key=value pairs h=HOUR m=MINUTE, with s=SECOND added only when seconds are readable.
h=1 m=26
